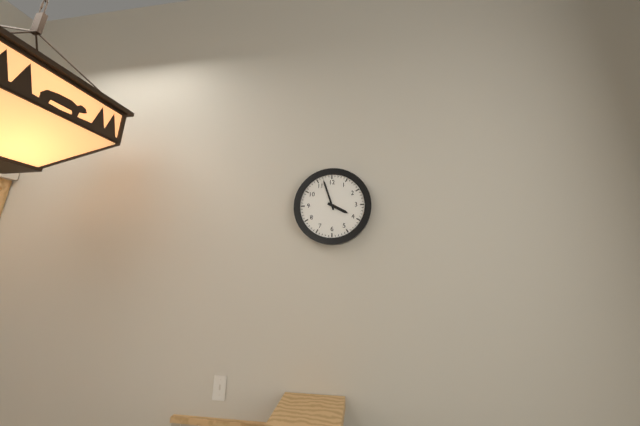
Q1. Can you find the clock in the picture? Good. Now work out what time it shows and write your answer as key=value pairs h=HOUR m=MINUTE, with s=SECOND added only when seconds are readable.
h=3 m=57
